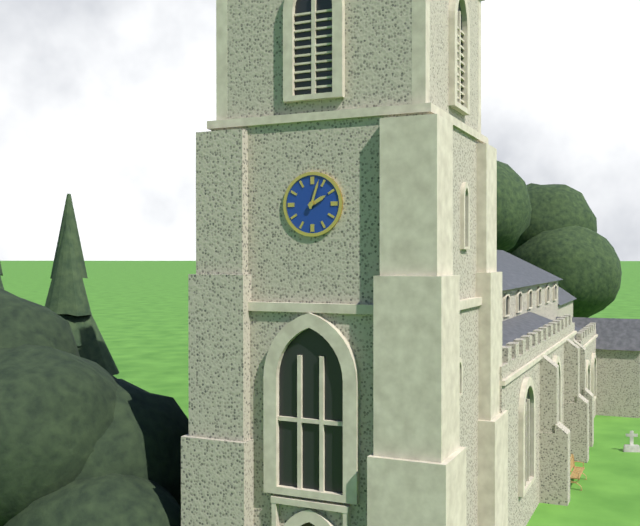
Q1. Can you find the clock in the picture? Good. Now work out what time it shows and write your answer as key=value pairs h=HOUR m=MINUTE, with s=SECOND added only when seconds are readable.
h=2 m=3
